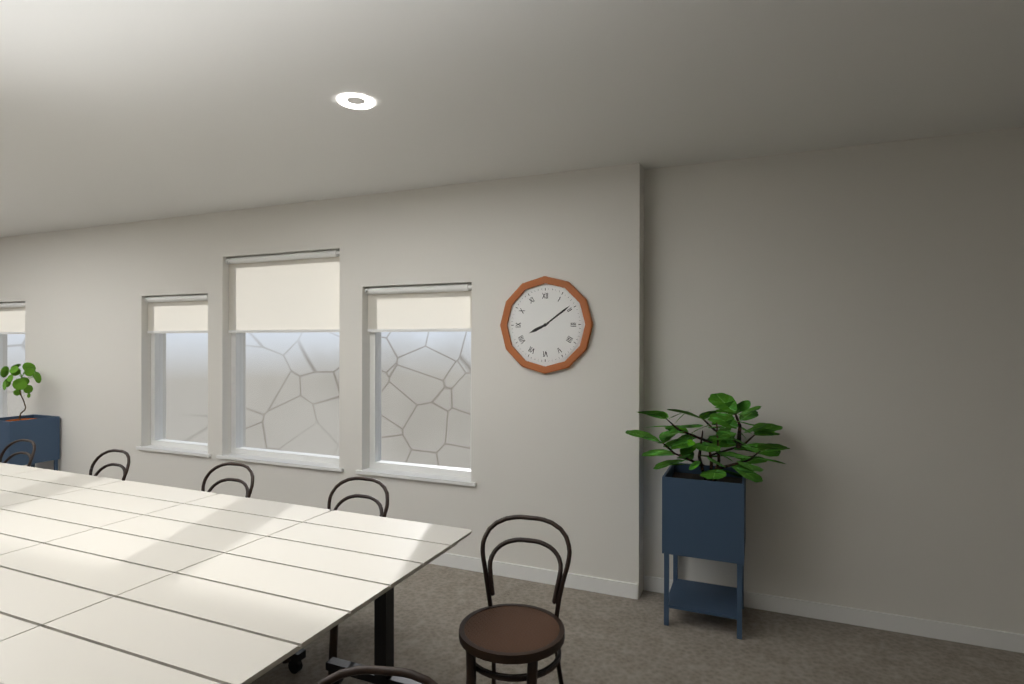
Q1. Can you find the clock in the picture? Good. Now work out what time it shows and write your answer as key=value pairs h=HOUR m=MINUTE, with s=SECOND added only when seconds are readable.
h=8 m=9
